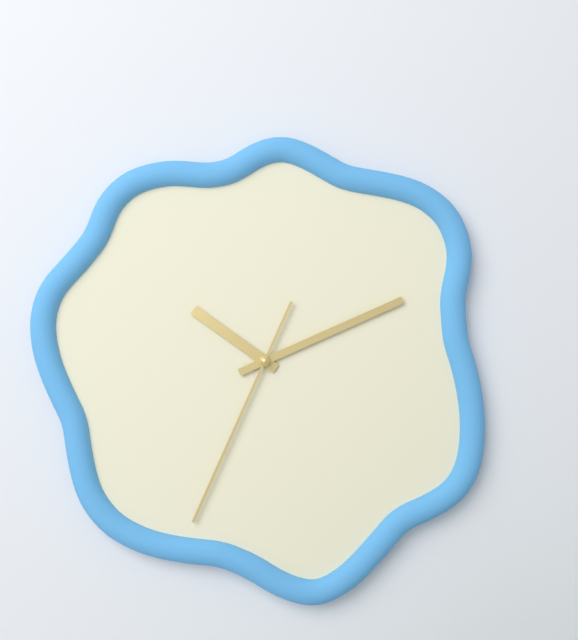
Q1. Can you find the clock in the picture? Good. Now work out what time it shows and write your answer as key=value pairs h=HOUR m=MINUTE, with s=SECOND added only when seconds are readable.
h=10 m=11 s=34
